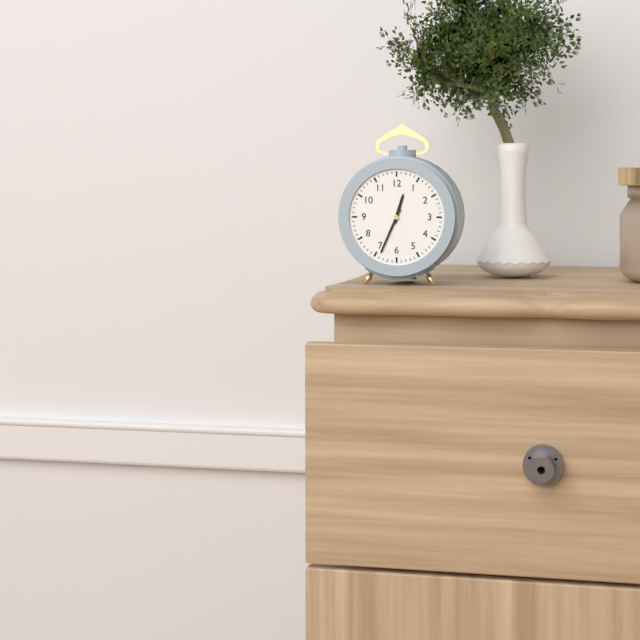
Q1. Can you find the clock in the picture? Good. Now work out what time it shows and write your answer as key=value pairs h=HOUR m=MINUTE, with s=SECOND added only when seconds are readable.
h=12 m=34
